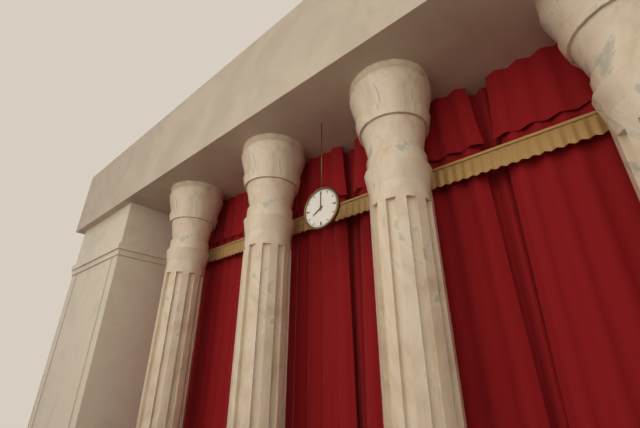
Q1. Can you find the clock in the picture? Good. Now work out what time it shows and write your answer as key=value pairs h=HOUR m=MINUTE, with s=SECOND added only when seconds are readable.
h=8 m=0
